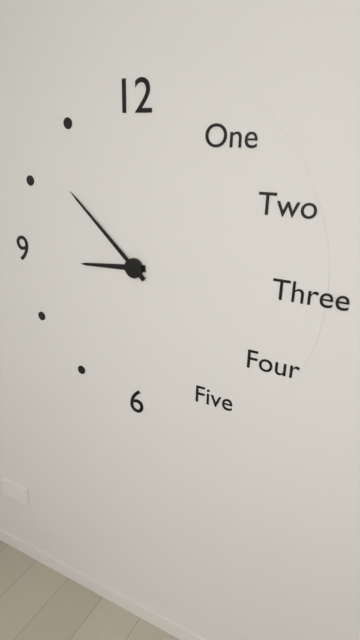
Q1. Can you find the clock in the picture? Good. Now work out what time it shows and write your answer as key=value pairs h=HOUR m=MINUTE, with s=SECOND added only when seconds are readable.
h=8 m=52
